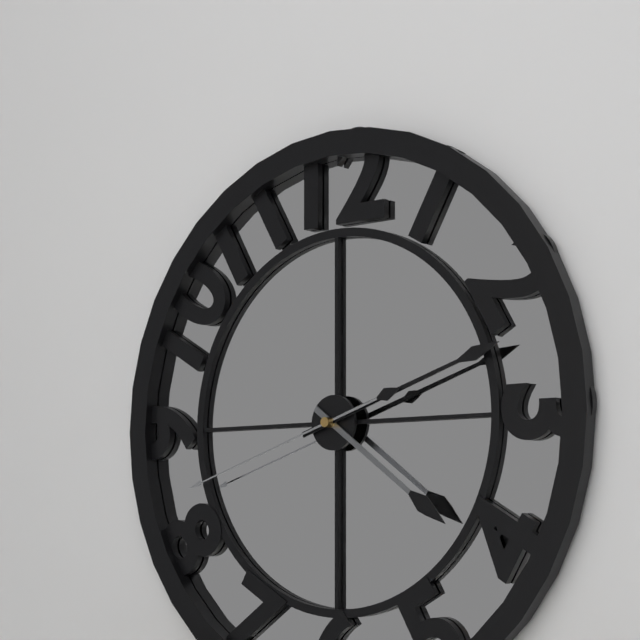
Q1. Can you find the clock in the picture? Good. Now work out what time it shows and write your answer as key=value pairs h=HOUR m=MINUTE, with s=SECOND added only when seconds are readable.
h=4 m=12 s=42
